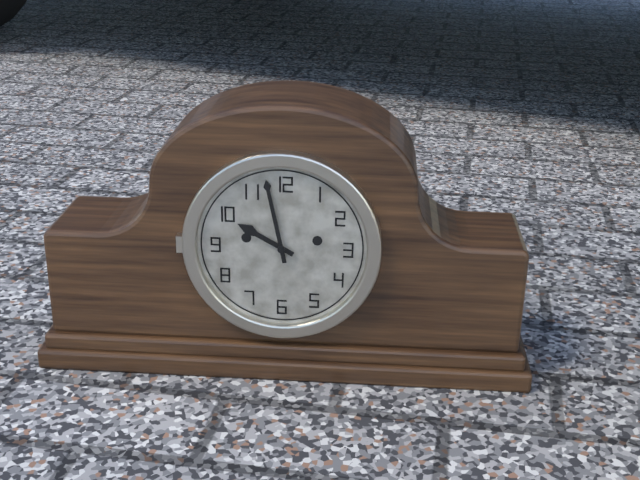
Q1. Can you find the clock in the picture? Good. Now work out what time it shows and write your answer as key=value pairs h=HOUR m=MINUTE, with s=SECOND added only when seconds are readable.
h=9 m=58
